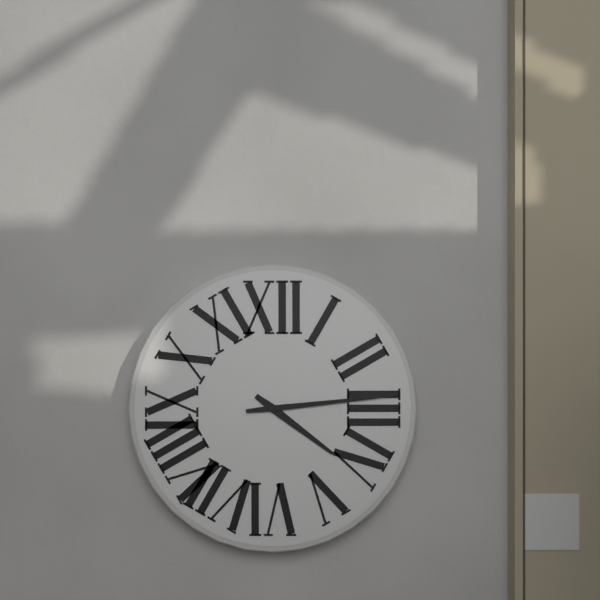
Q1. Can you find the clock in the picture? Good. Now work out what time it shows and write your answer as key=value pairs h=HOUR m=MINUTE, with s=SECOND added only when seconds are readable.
h=4 m=14
